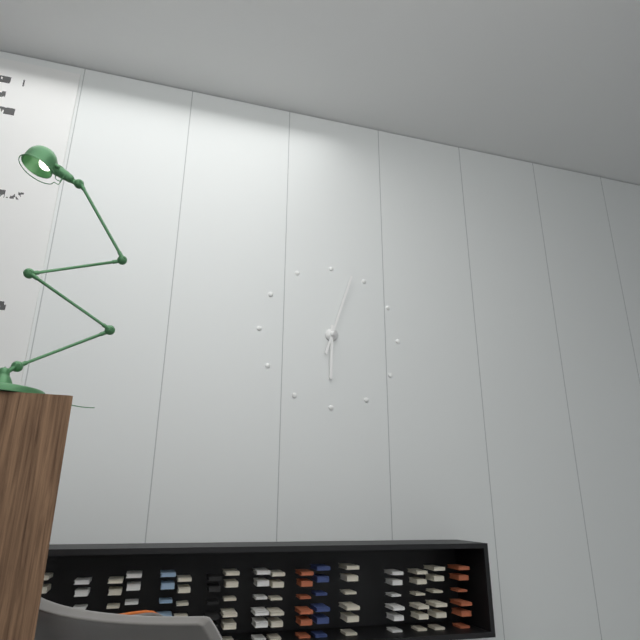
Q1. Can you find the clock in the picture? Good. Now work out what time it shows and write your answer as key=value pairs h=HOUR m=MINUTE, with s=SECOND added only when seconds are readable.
h=6 m=3
